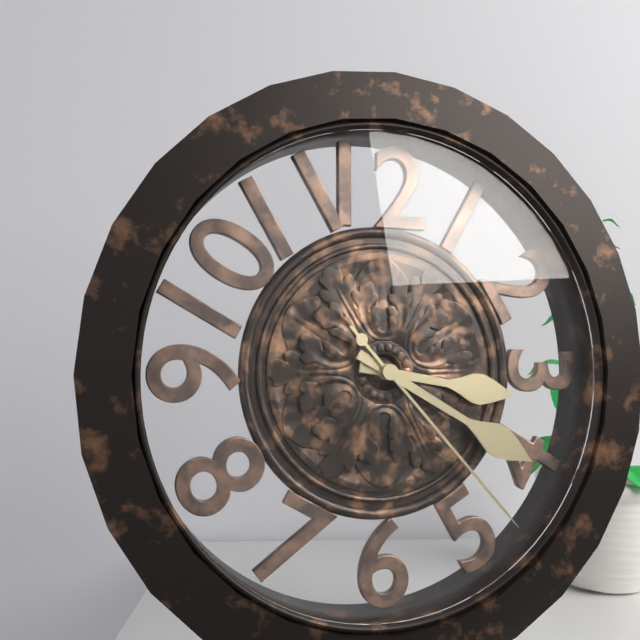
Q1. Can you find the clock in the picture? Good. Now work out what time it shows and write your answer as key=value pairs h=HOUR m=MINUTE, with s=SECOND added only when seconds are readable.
h=3 m=20 s=23
